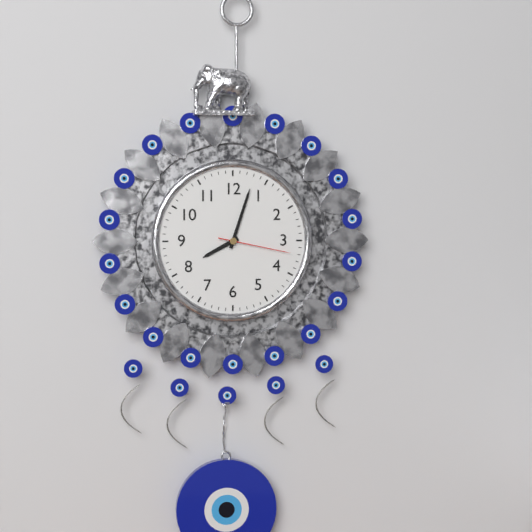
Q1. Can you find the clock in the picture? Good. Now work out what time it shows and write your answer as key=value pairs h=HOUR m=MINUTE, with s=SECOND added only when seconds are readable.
h=8 m=3 s=17
